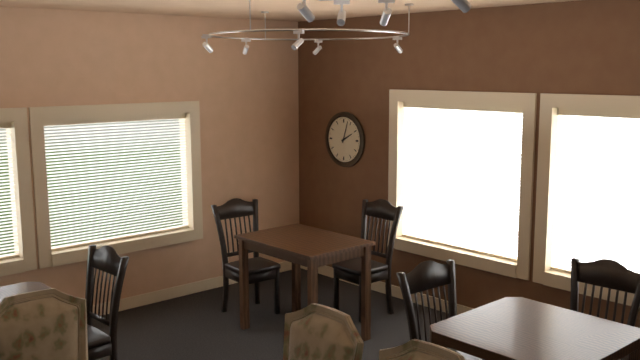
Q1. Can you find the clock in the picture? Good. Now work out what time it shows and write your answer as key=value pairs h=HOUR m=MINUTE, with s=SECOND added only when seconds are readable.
h=2 m=3
